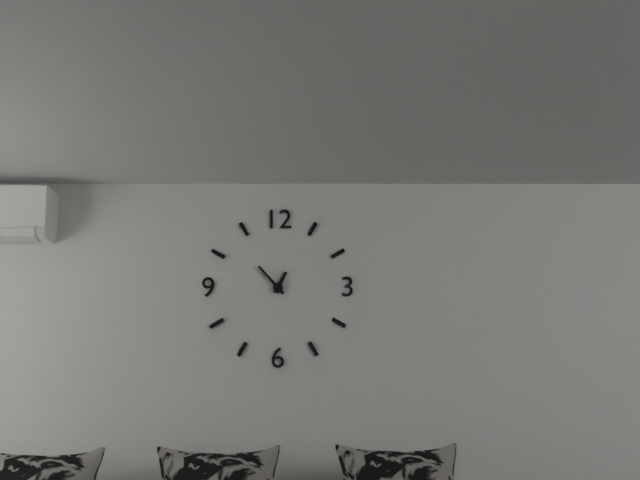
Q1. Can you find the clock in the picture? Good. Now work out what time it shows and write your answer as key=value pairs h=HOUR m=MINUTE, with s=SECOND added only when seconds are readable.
h=12 m=53
